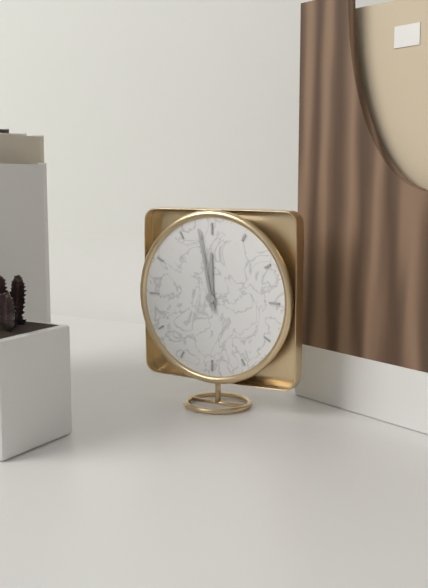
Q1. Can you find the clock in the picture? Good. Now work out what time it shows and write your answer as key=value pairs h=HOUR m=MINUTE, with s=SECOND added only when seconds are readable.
h=11 m=58
